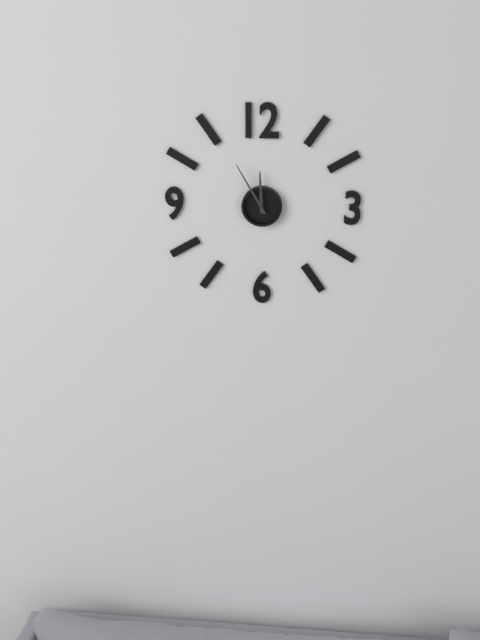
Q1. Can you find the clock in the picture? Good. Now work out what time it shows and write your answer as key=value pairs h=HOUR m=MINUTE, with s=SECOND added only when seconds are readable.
h=11 m=55
